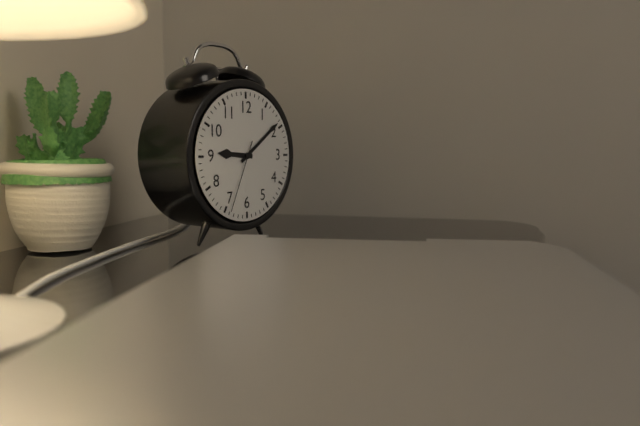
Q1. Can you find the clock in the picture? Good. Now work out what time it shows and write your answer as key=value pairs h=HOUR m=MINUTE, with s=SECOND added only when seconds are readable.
h=9 m=9 s=34
